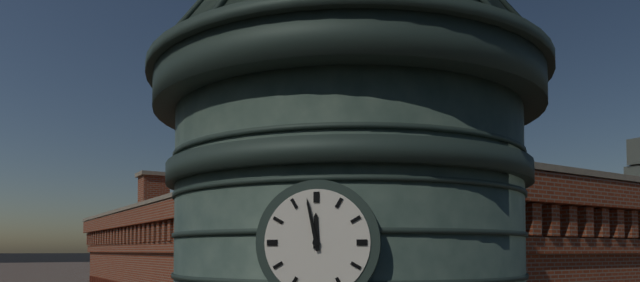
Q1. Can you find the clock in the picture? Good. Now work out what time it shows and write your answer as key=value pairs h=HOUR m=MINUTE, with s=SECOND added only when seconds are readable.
h=11 m=58
